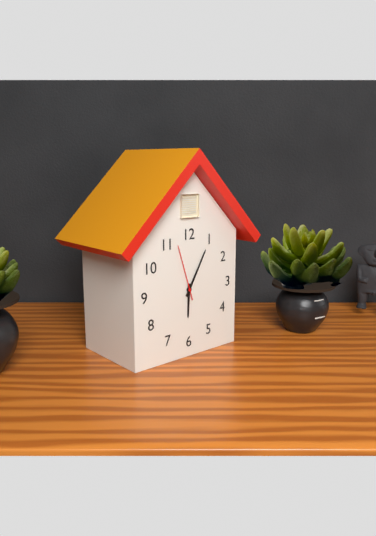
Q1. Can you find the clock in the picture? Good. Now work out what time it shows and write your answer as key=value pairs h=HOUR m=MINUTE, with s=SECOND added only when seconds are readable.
h=6 m=5 s=57
